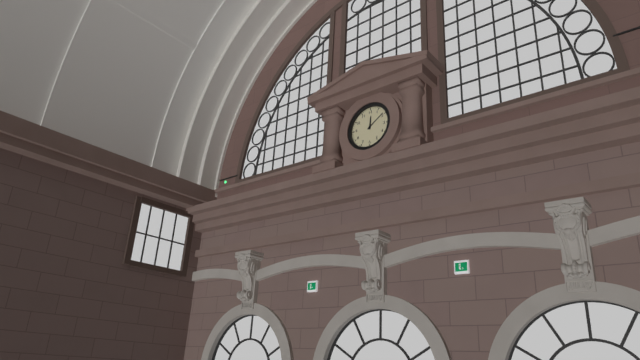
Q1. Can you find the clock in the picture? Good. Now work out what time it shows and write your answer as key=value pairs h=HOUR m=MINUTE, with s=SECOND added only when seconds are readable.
h=12 m=9
